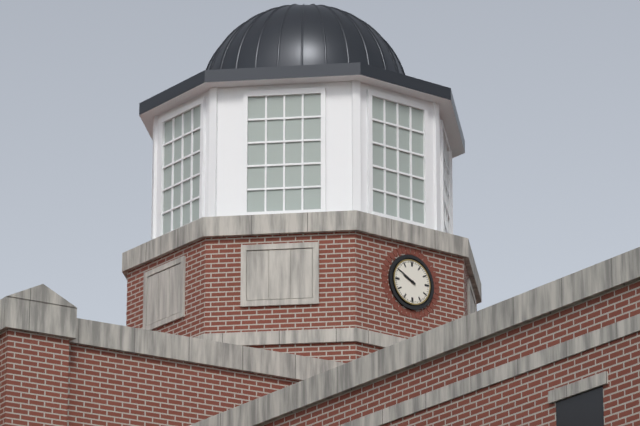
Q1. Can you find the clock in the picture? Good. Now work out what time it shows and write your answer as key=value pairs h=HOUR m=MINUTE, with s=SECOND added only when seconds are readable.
h=9 m=50
